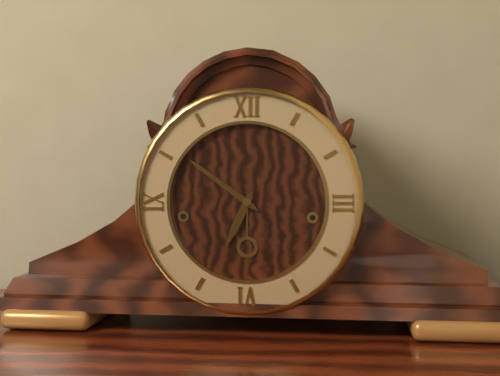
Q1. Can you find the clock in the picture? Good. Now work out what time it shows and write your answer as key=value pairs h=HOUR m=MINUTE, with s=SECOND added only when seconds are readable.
h=6 m=51
